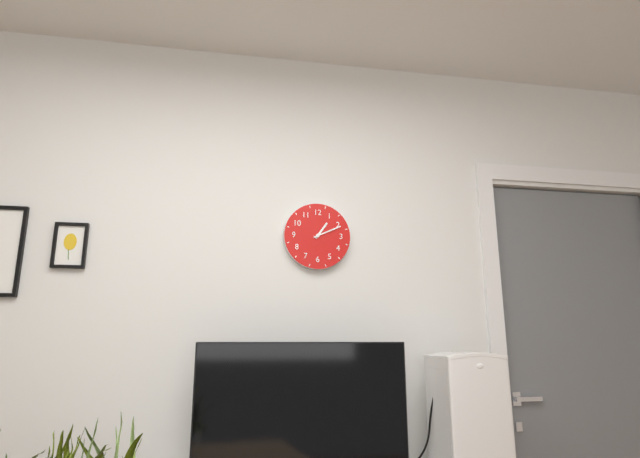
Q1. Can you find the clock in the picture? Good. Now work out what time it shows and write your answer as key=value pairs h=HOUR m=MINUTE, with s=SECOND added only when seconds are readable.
h=1 m=11
